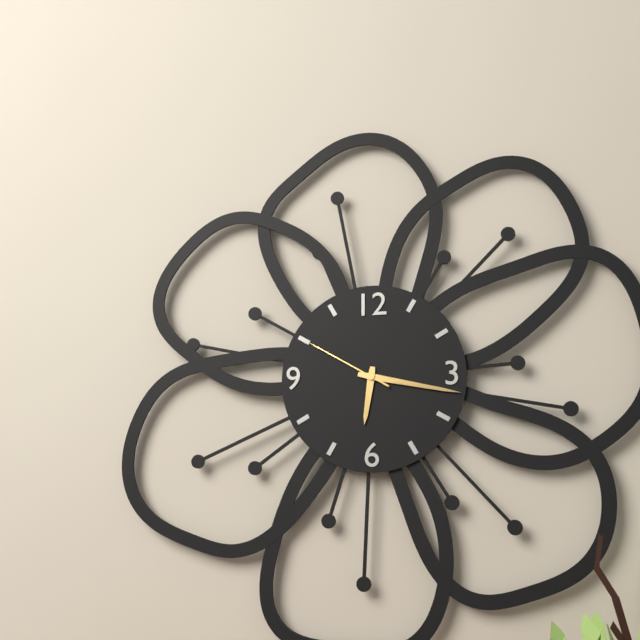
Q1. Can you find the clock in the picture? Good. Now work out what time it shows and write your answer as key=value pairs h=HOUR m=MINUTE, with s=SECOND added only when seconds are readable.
h=6 m=17 s=50
